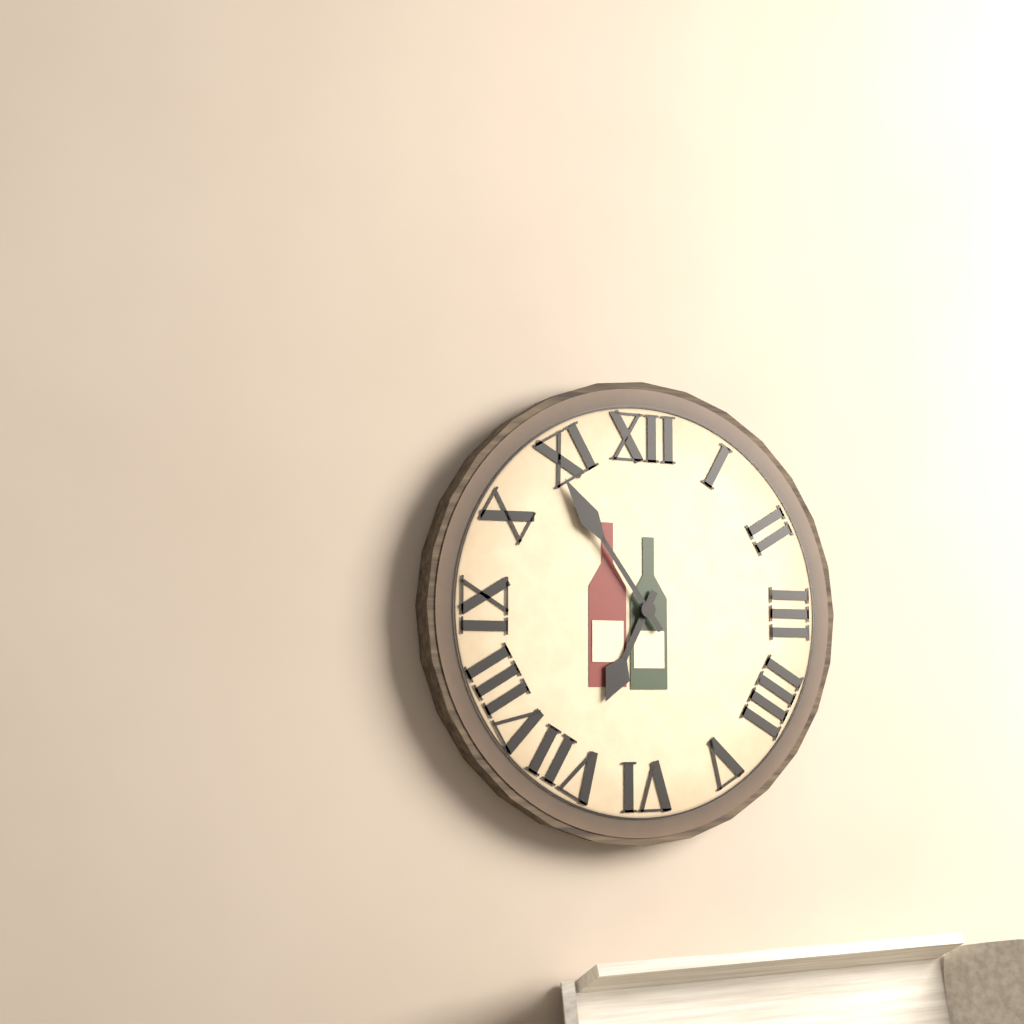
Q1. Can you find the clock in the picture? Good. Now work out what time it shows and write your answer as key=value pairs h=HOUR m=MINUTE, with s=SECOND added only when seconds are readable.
h=6 m=54
